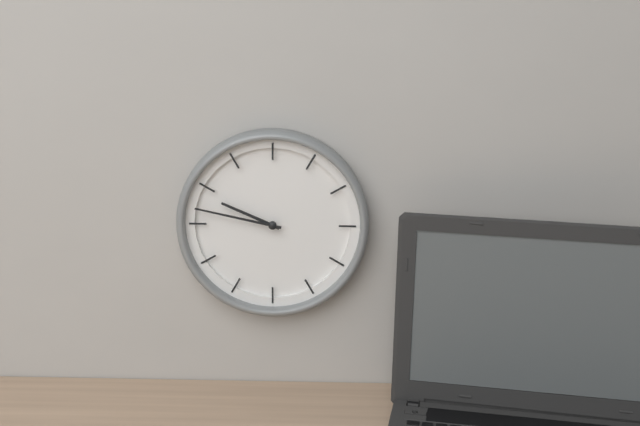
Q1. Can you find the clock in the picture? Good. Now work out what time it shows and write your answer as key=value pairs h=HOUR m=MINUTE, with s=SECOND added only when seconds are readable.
h=9 m=47
